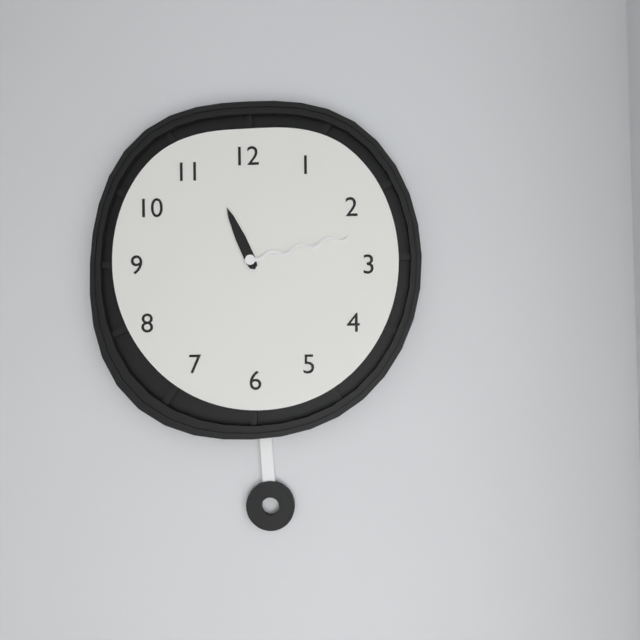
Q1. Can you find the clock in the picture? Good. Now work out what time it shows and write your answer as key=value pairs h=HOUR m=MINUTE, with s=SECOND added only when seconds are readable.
h=11 m=13
